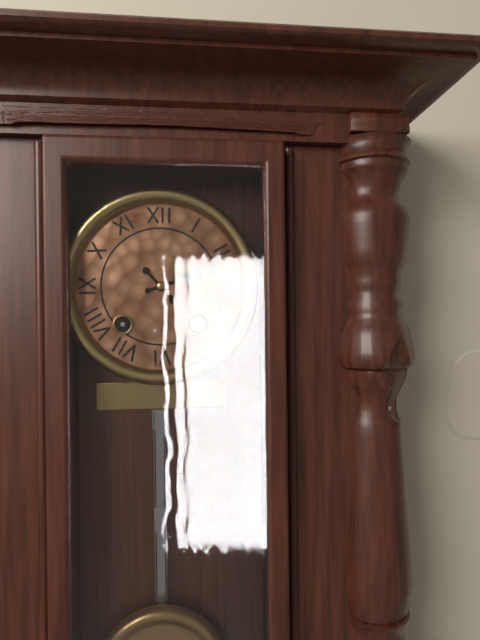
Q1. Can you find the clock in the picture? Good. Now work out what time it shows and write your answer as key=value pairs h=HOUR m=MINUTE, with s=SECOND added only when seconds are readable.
h=2 m=23
